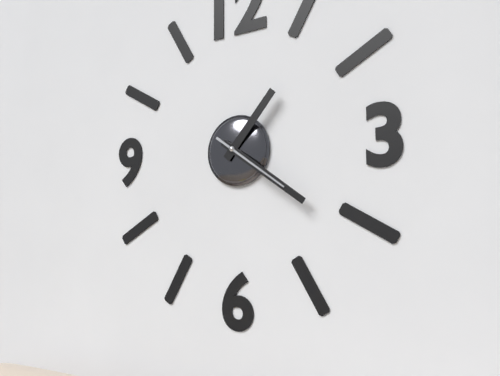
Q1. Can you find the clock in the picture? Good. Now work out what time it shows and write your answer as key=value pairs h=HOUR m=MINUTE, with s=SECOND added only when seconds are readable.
h=1 m=21 s=21
